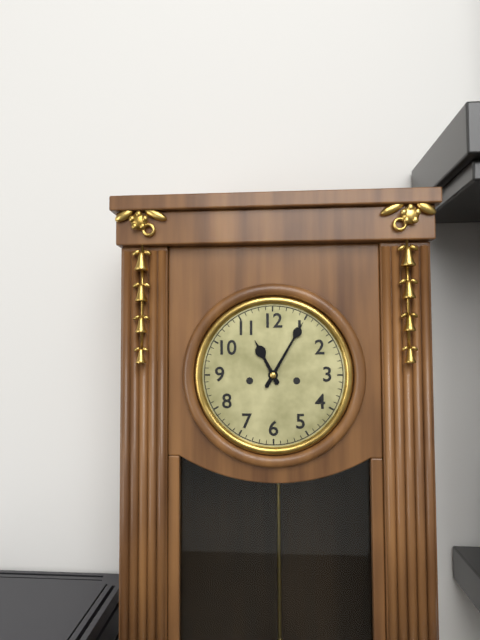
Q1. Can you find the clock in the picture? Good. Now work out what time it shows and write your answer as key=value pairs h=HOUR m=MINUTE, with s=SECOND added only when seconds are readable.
h=11 m=5
